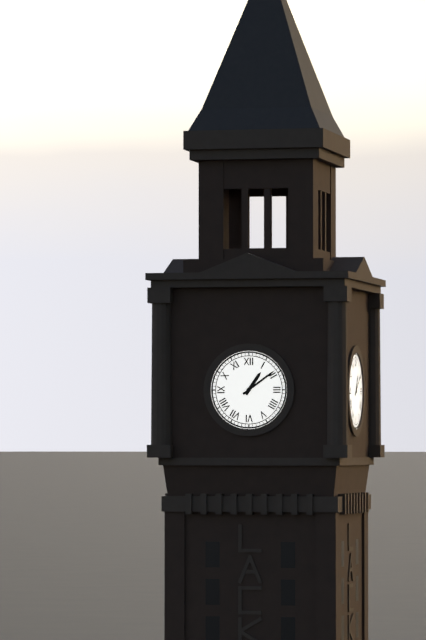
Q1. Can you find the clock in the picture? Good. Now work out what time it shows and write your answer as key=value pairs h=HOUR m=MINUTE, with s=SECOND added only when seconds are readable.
h=1 m=9
